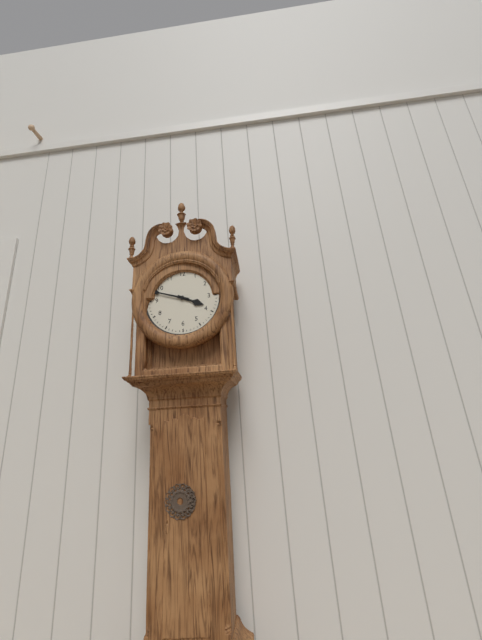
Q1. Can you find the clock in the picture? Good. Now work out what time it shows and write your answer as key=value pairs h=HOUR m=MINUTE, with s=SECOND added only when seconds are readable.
h=3 m=48
